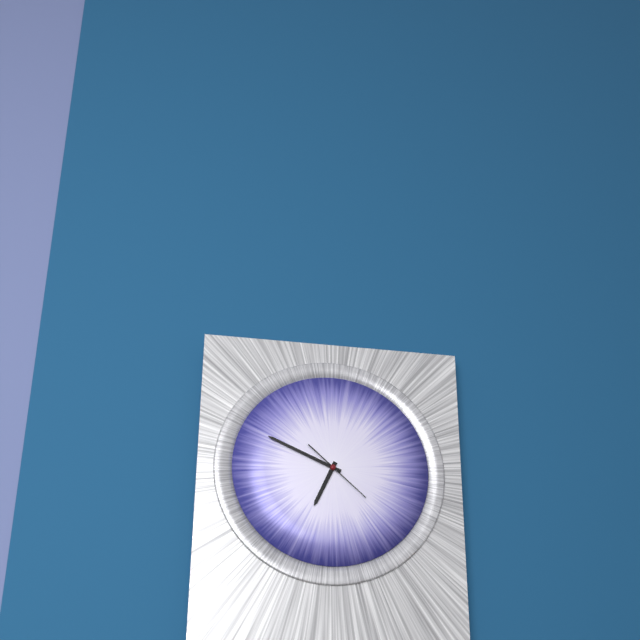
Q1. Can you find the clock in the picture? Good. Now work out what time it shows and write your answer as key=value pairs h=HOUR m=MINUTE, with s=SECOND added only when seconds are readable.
h=6 m=49 s=22
